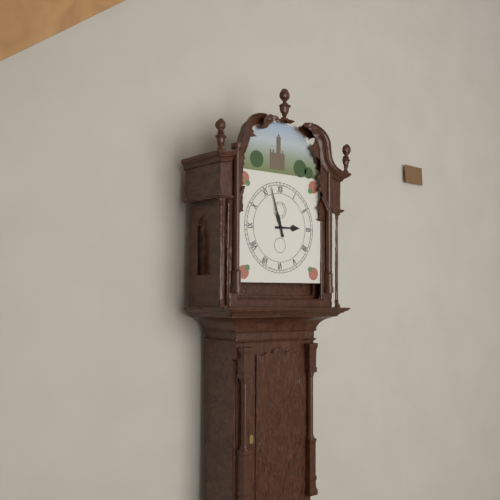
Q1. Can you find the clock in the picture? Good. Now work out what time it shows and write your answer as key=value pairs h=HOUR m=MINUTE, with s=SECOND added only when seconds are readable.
h=2 m=57
